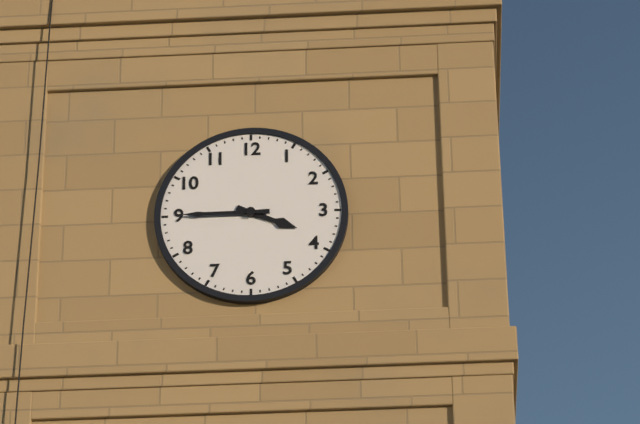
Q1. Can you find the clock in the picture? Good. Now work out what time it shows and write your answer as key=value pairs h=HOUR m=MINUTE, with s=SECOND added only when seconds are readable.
h=3 m=45
